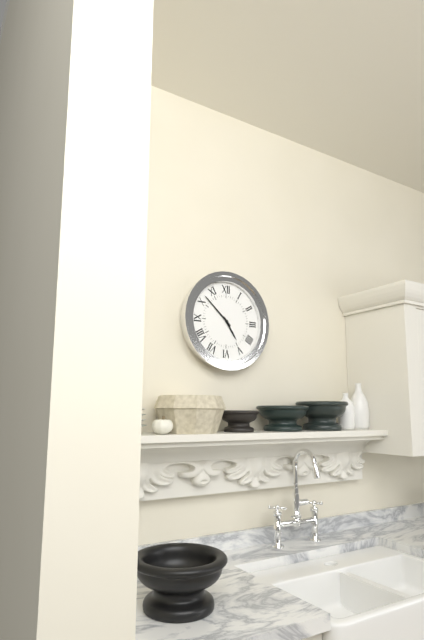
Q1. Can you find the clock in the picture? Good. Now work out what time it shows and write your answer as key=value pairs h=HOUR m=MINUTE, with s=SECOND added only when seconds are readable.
h=4 m=52
